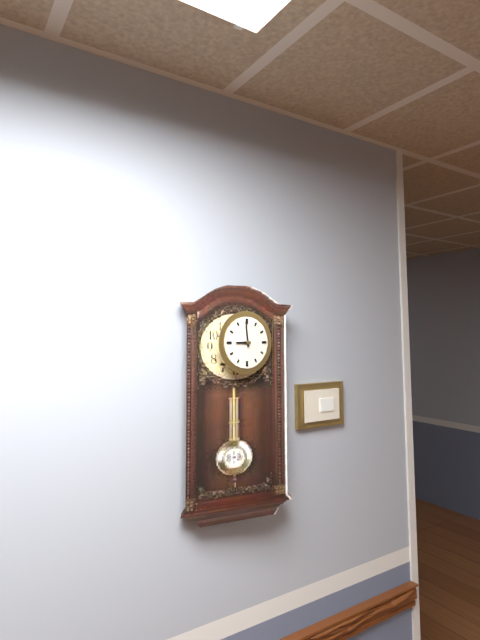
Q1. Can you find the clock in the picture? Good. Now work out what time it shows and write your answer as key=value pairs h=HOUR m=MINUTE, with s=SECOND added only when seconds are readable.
h=8 m=59
